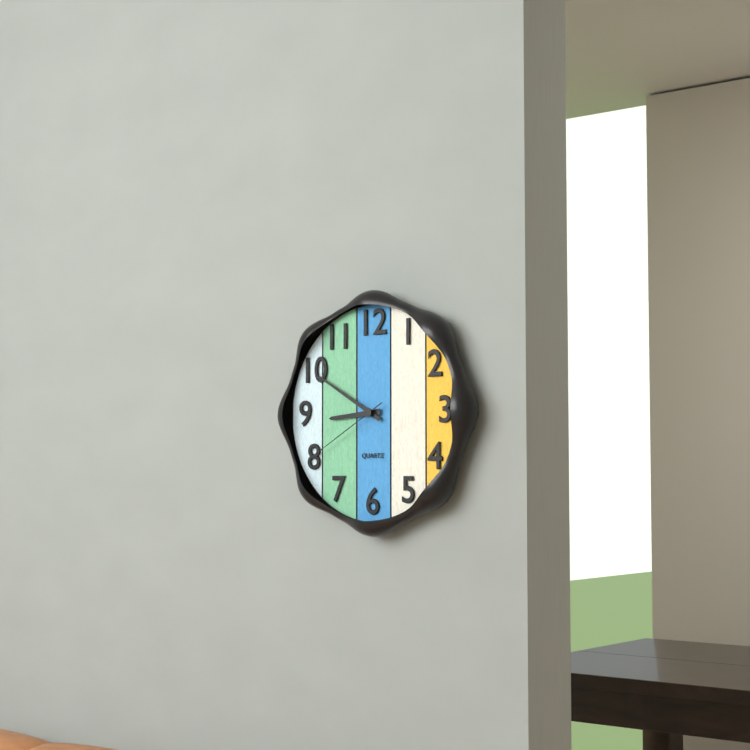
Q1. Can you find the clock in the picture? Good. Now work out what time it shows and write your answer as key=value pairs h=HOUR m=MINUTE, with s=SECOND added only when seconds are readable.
h=8 m=50 s=40
